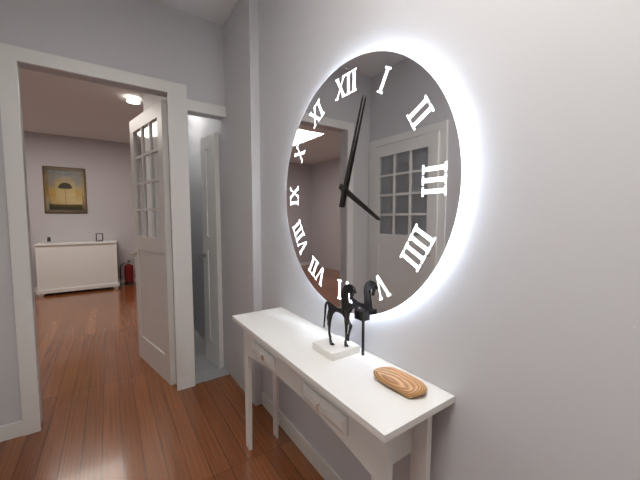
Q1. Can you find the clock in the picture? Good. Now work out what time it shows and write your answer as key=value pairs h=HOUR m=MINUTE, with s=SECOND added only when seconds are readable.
h=4 m=3
